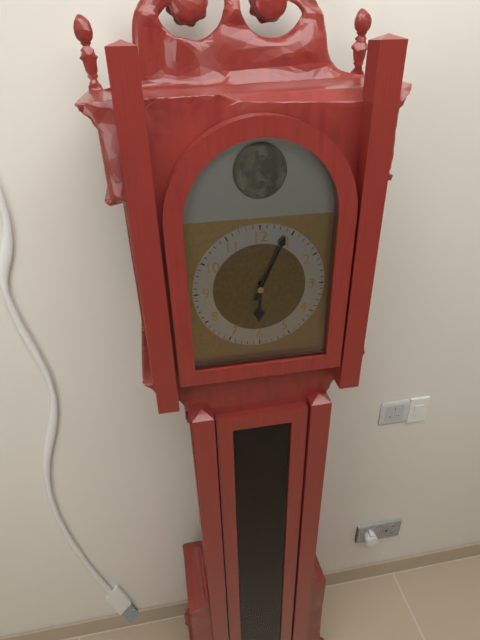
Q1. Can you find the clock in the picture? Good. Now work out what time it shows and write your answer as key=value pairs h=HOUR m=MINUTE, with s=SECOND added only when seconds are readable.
h=6 m=4
